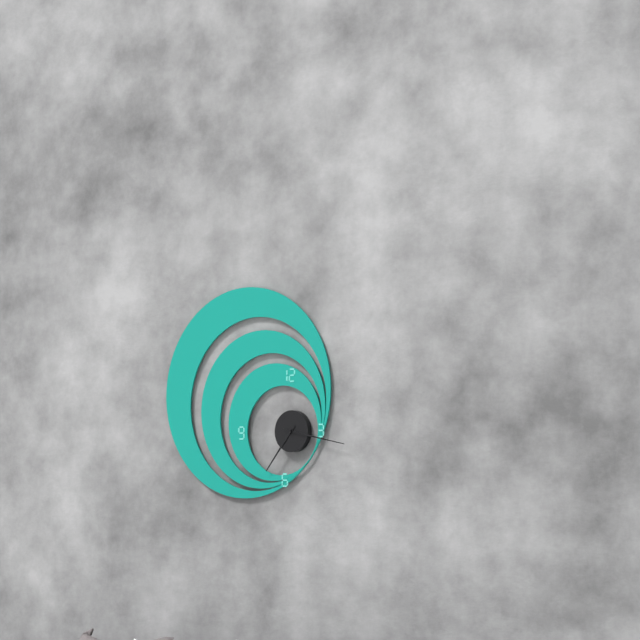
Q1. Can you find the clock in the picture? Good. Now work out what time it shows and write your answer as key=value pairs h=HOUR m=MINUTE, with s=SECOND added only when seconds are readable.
h=7 m=17
